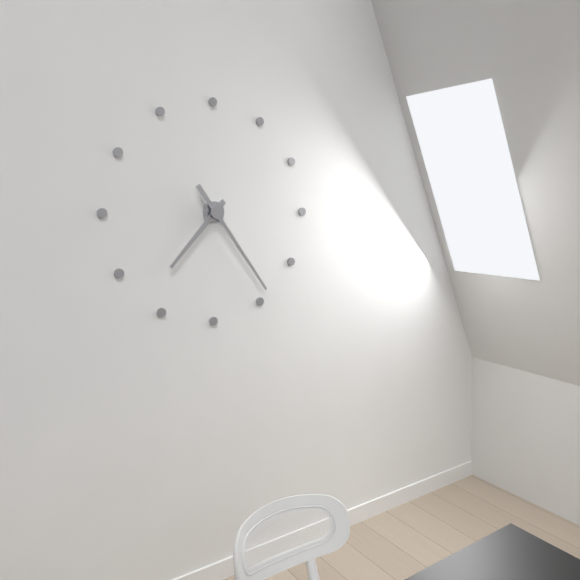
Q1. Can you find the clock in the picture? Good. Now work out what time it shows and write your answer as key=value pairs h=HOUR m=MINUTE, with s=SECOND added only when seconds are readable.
h=7 m=24
